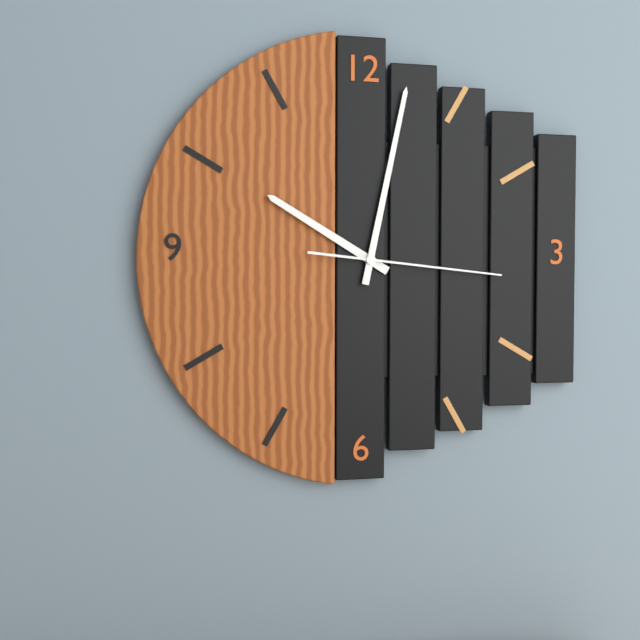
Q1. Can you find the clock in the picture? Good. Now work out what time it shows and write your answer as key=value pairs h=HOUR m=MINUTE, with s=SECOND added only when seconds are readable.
h=10 m=2 s=16
